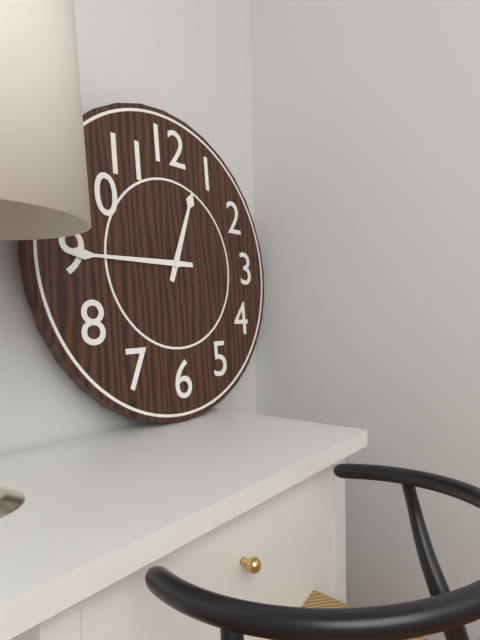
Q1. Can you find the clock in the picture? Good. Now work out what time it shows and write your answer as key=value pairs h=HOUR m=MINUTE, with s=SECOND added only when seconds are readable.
h=12 m=45
